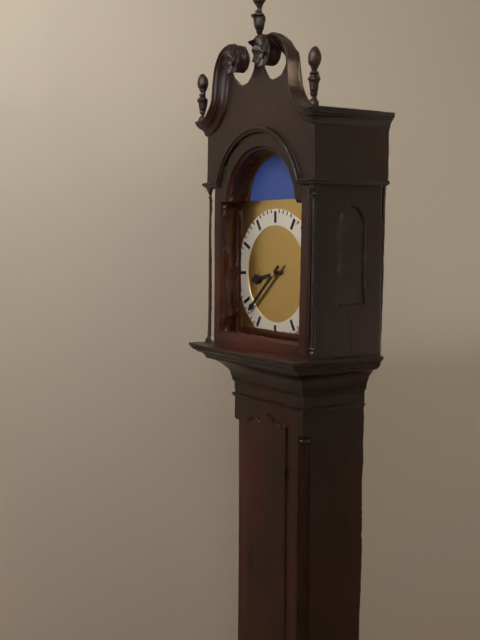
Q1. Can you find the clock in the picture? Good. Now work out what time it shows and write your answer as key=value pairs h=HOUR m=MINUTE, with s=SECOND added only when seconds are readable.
h=8 m=38
